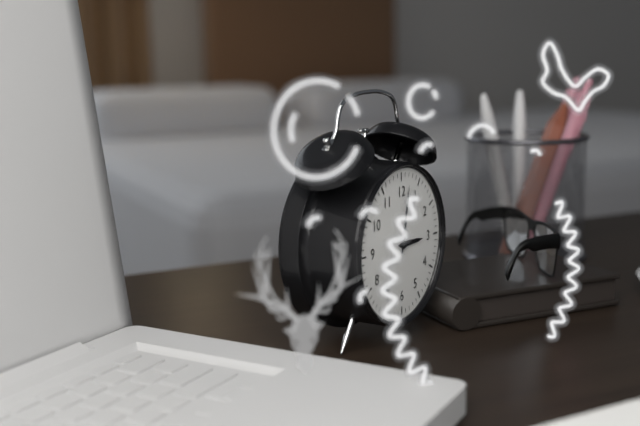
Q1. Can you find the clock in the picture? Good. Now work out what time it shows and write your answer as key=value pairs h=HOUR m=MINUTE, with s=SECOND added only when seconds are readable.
h=3 m=2
